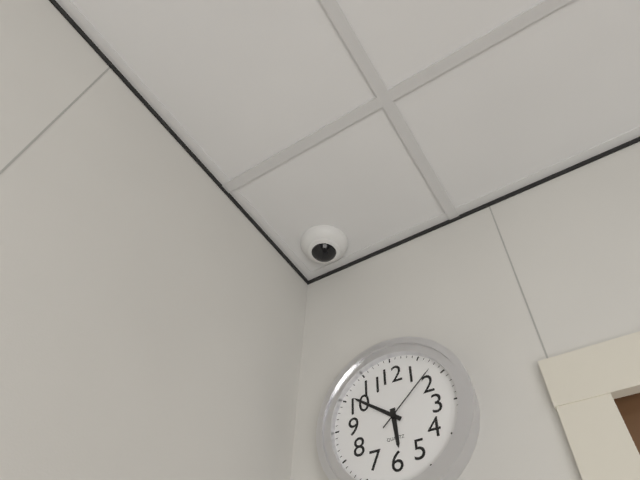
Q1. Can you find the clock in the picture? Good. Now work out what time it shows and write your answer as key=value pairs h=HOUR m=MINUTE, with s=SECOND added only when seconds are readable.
h=5 m=51 s=8
